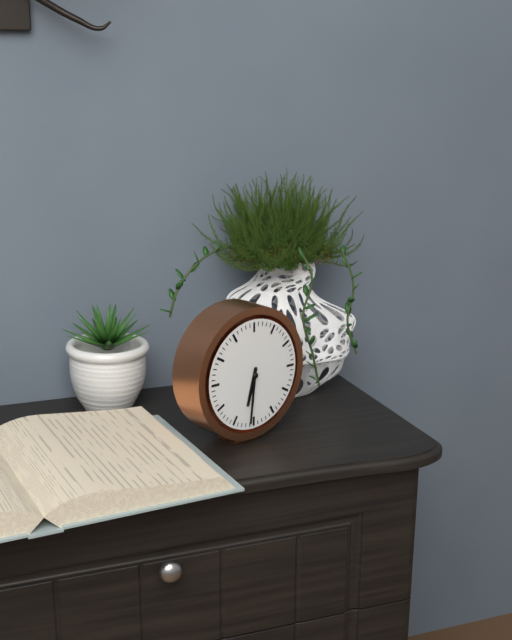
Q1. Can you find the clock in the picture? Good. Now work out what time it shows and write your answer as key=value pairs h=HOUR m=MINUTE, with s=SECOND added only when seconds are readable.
h=6 m=31
